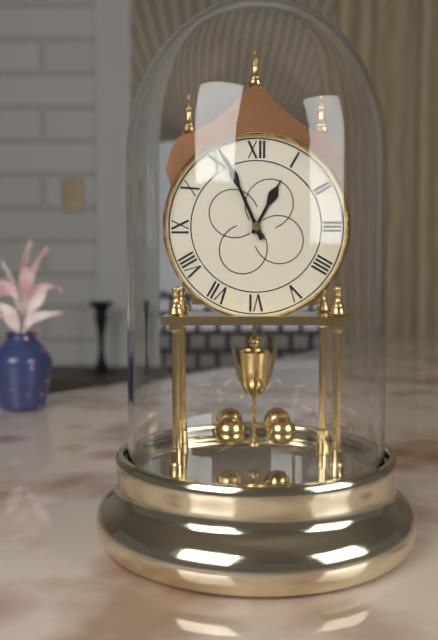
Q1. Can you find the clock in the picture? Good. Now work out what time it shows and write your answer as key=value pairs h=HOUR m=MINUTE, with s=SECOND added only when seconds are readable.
h=12 m=56
